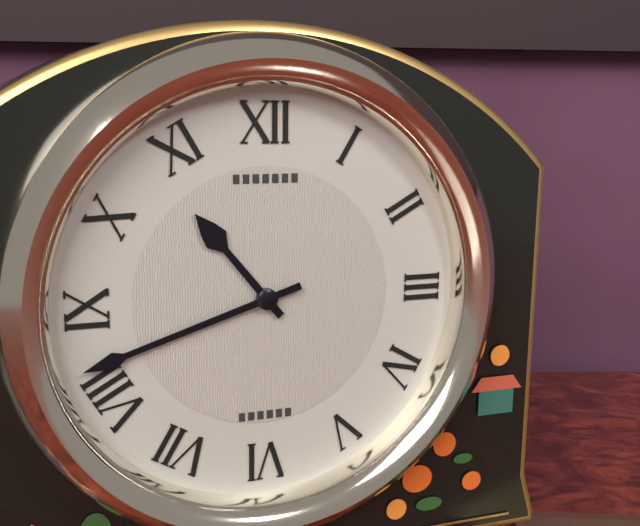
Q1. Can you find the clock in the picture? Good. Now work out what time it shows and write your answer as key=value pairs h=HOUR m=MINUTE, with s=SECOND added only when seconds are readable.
h=10 m=42
